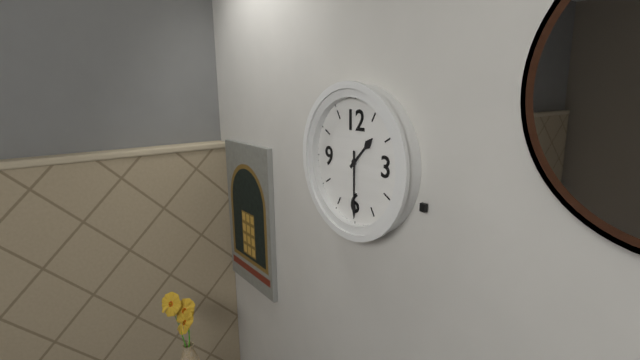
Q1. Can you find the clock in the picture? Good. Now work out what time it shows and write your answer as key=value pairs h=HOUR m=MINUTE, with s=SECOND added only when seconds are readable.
h=1 m=30
